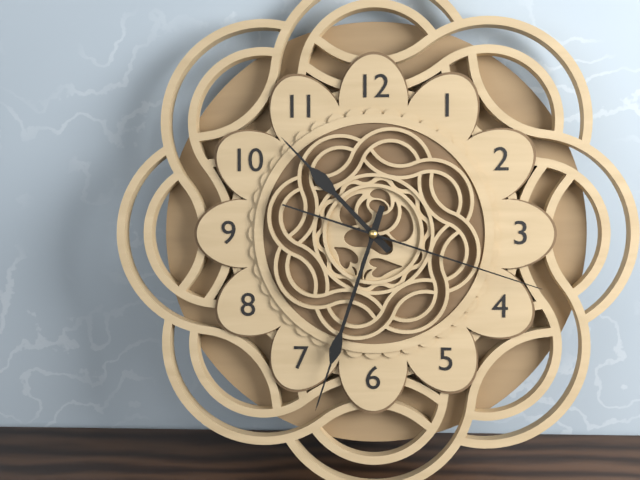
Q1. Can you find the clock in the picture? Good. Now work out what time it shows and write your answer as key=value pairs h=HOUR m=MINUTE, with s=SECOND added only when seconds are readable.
h=10 m=33 s=18
